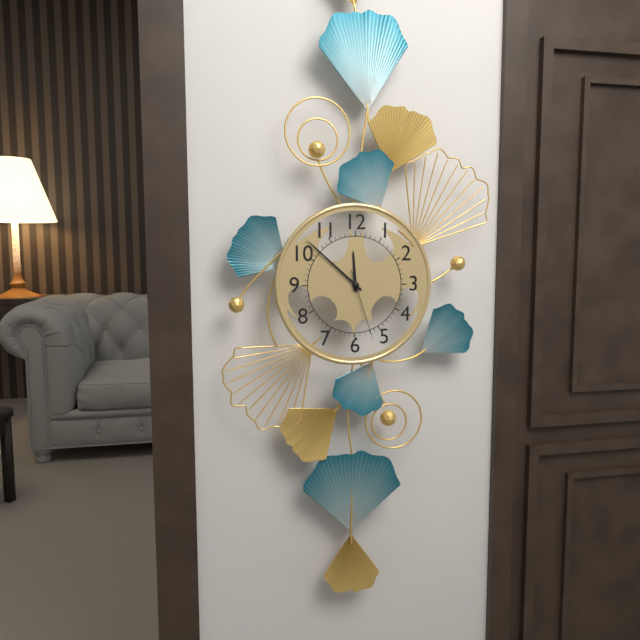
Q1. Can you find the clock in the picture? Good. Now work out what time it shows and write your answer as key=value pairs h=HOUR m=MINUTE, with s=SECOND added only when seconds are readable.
h=11 m=52 s=27
